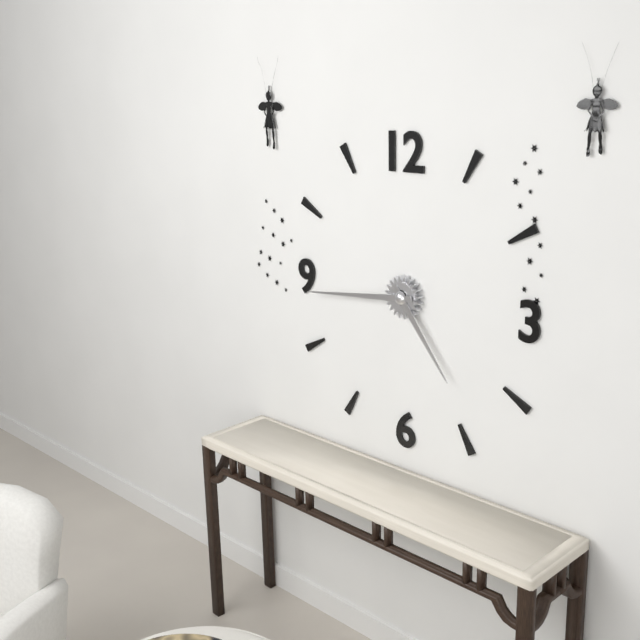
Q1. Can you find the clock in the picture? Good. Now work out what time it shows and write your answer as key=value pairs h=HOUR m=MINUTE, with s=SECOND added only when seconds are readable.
h=4 m=44
